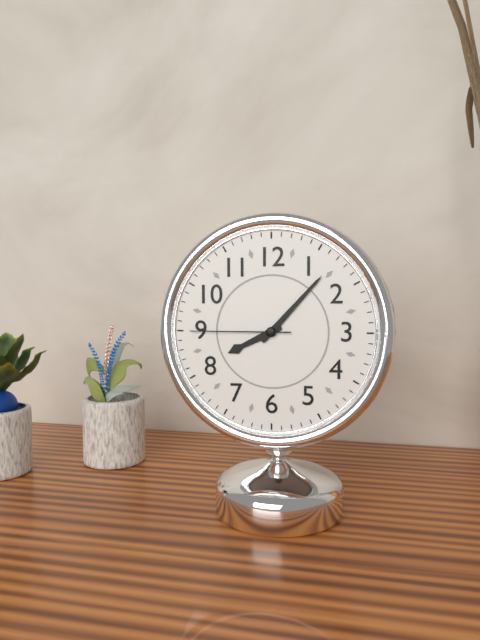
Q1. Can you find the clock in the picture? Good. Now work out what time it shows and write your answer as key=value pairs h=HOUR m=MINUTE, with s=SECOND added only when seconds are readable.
h=8 m=7 s=45
